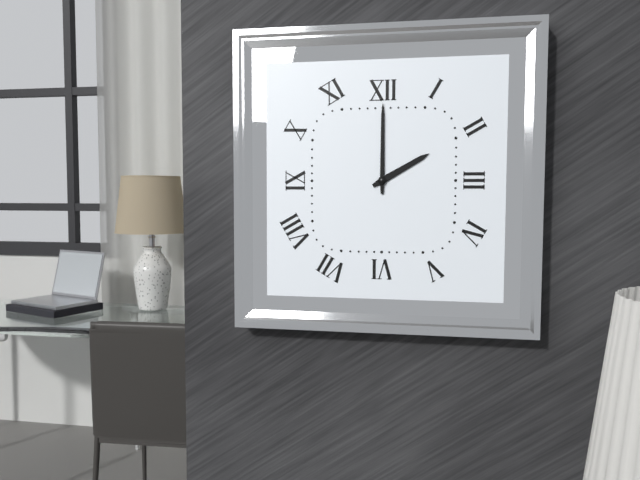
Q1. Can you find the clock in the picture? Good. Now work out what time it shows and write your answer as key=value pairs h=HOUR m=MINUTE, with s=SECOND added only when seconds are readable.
h=2 m=0
